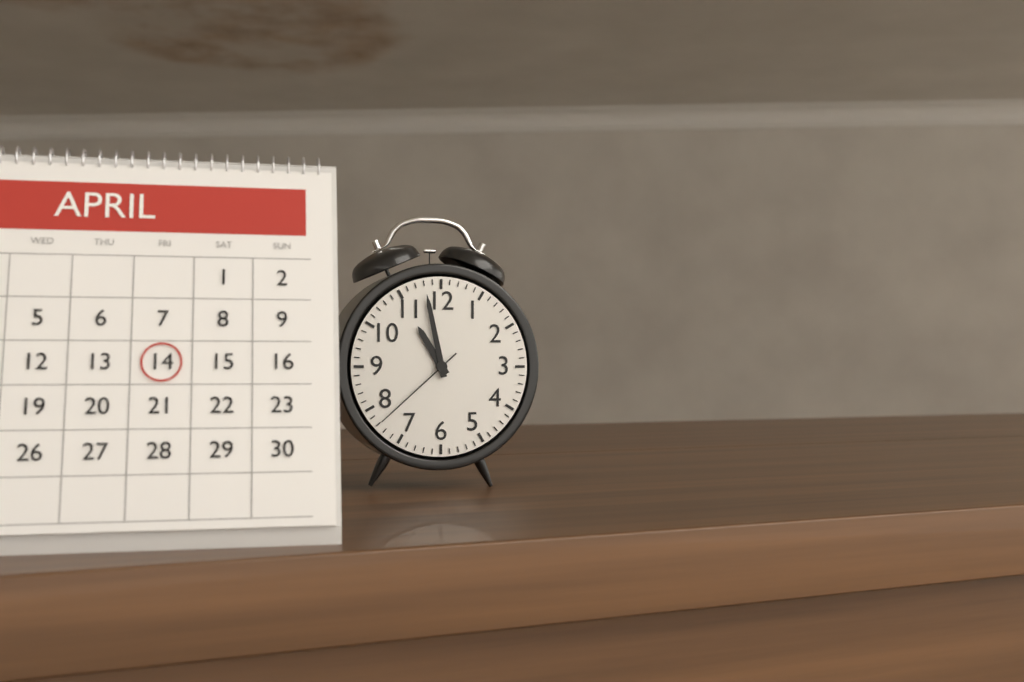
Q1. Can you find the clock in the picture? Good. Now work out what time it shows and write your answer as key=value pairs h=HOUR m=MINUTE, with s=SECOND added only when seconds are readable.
h=10 m=58 s=38
